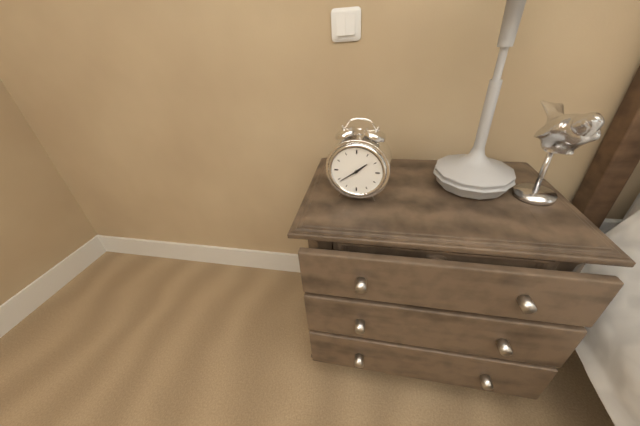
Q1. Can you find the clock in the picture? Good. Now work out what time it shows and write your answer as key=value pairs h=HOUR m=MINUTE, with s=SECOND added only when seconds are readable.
h=1 m=39
